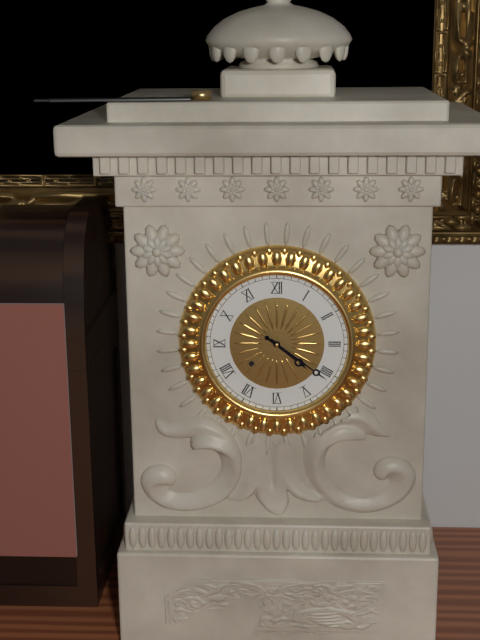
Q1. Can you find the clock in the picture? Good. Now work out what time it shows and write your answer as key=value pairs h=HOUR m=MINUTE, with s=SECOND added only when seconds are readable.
h=4 m=21
